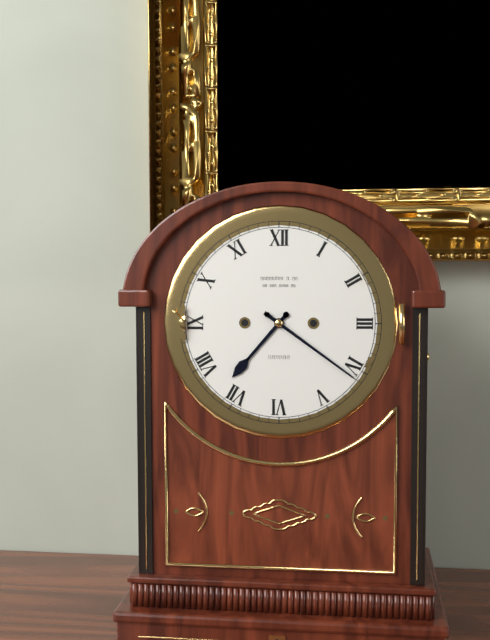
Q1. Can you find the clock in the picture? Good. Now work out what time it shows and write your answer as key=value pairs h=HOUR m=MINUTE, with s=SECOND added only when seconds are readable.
h=7 m=21
